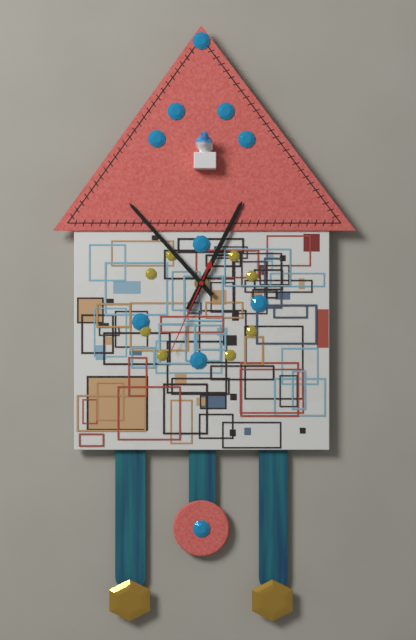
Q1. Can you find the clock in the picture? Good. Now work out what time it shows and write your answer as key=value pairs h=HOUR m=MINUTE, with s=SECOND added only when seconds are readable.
h=12 m=53 s=34
